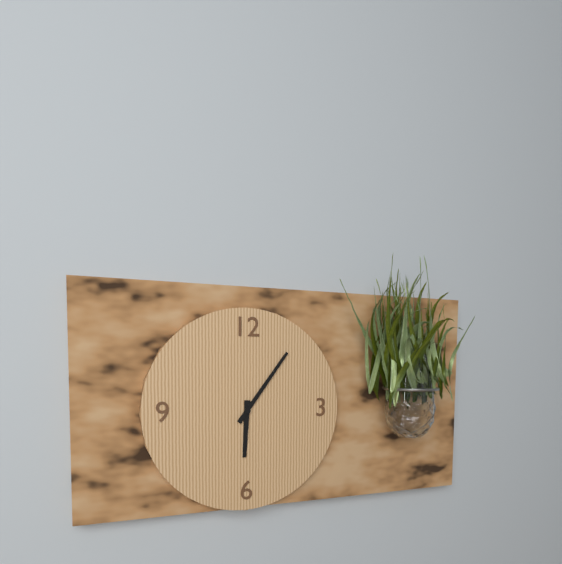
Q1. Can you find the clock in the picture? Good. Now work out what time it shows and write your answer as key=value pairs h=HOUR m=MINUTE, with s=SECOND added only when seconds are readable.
h=6 m=6
